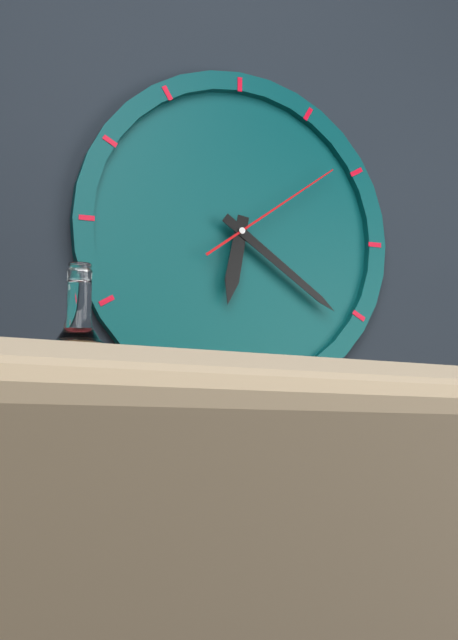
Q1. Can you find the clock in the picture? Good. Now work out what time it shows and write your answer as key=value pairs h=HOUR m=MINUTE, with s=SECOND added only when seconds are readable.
h=6 m=21 s=9
